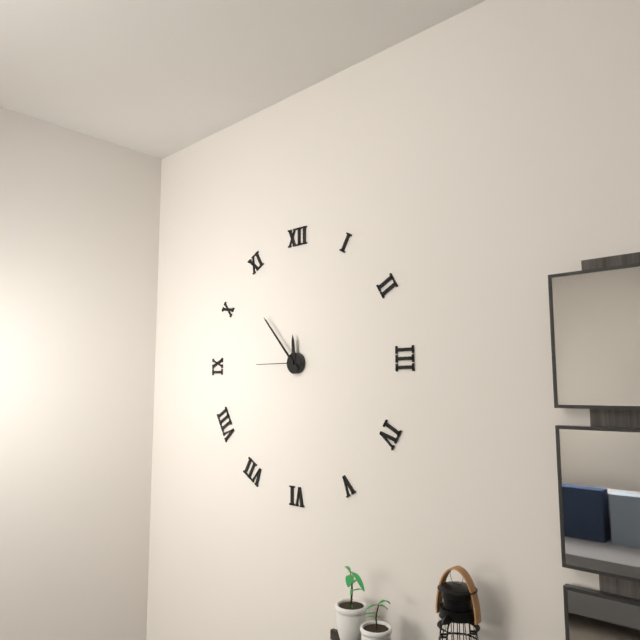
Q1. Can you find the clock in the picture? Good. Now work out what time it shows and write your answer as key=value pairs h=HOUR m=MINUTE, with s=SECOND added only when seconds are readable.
h=11 m=53 s=45
